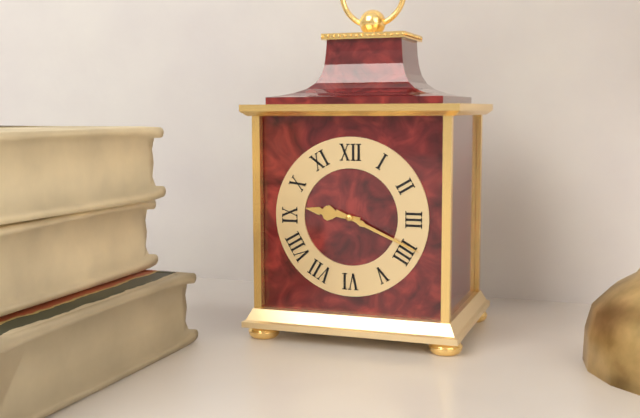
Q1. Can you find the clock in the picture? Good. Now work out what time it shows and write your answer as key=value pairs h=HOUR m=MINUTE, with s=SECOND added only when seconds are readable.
h=9 m=19
